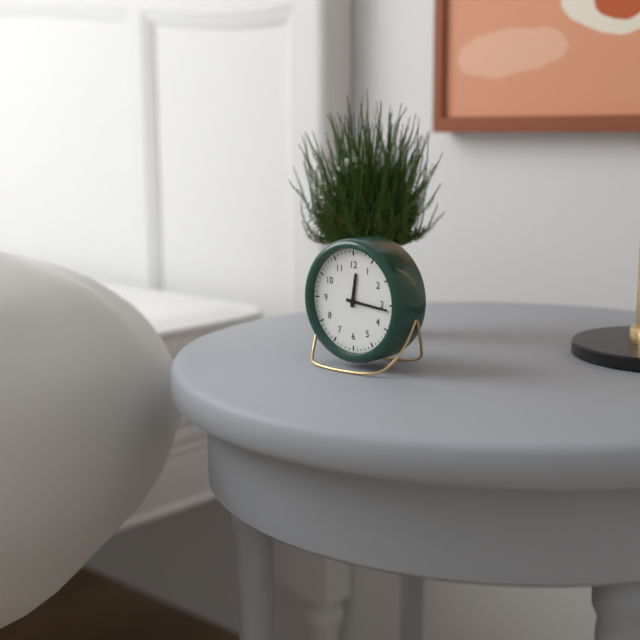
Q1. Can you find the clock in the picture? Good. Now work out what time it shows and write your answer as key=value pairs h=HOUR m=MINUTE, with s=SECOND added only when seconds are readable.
h=12 m=16
